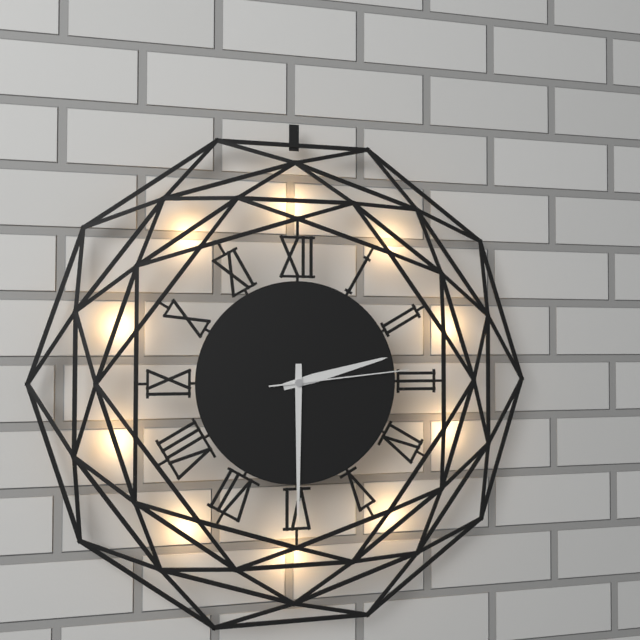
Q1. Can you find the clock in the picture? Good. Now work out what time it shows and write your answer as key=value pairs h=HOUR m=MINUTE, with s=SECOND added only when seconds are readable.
h=2 m=30 s=14
